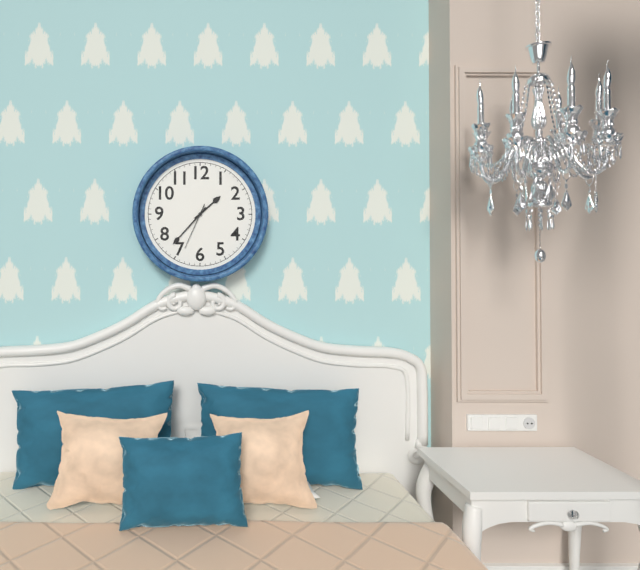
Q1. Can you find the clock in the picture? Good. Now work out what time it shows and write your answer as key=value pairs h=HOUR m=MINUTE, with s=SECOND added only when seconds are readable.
h=1 m=37
